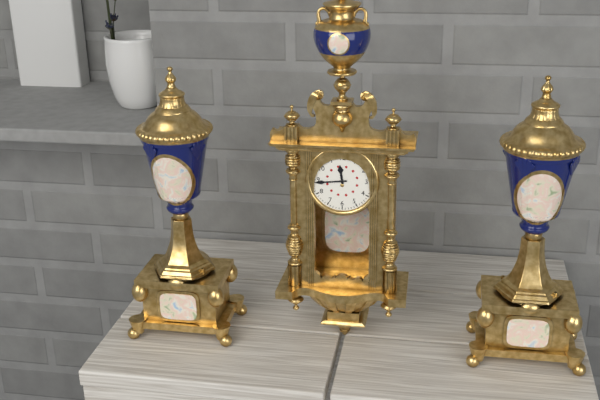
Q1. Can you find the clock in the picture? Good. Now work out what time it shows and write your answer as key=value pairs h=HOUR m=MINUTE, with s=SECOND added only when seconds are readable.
h=11 m=44
